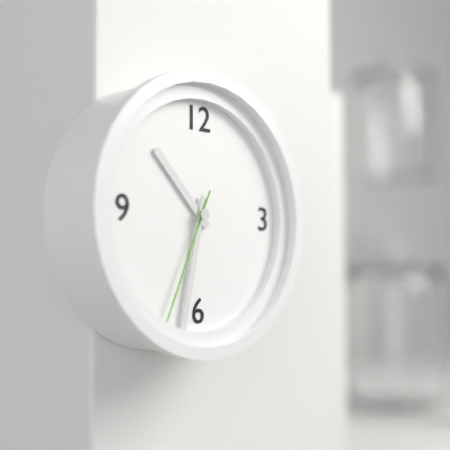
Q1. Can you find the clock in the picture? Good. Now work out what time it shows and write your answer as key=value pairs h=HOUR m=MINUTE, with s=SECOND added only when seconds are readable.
h=10 m=32 s=34
